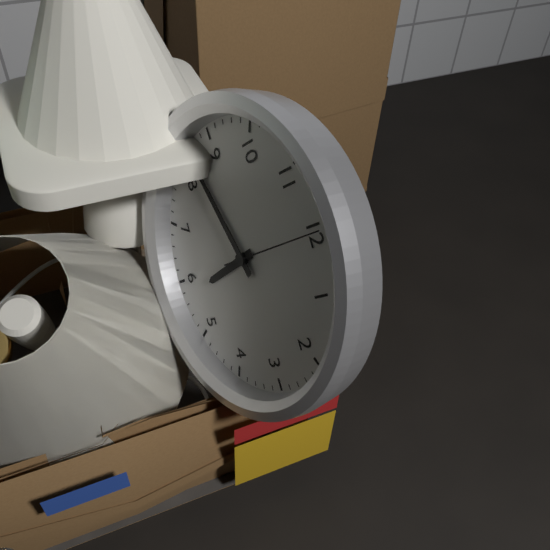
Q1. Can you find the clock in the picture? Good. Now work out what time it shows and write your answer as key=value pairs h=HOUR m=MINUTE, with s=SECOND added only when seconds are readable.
h=5 m=42 s=0
